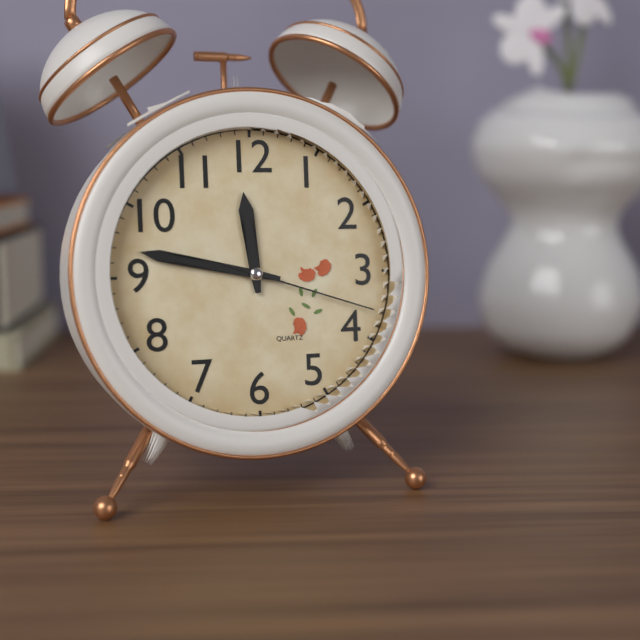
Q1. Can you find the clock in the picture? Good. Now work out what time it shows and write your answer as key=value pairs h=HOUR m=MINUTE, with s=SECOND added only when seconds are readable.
h=11 m=47 s=18
